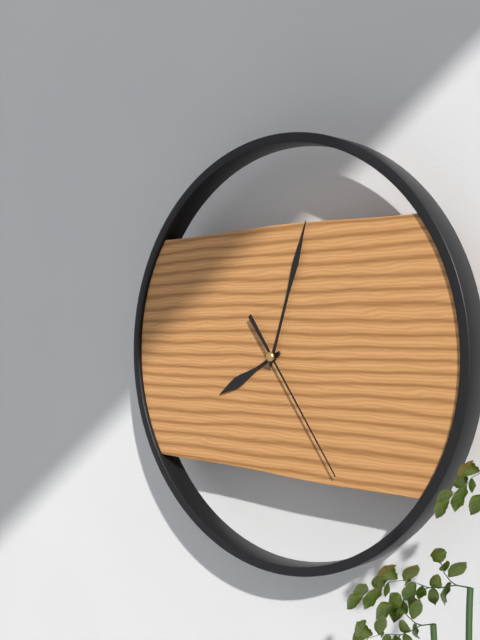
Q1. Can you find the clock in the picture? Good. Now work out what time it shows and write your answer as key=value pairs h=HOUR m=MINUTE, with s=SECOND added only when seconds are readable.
h=8 m=3 s=24
